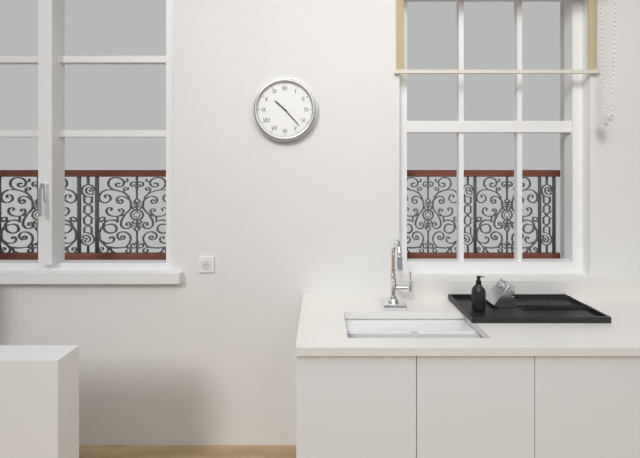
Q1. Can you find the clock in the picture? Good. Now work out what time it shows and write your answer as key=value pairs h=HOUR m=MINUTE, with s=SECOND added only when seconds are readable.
h=10 m=23
